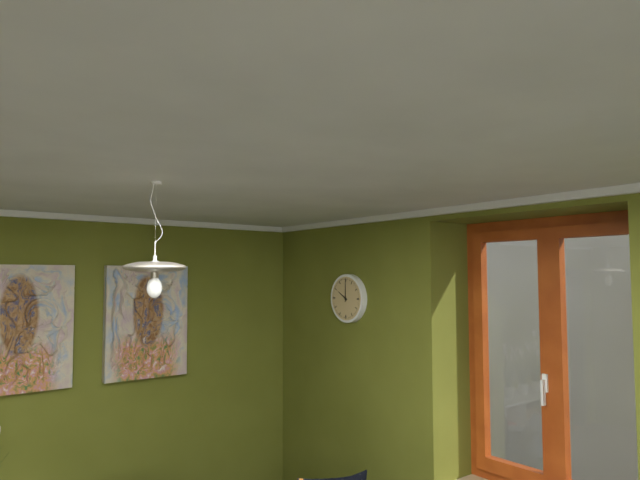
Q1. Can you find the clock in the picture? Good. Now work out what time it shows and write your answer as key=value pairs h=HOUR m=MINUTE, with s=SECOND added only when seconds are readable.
h=10 m=0
